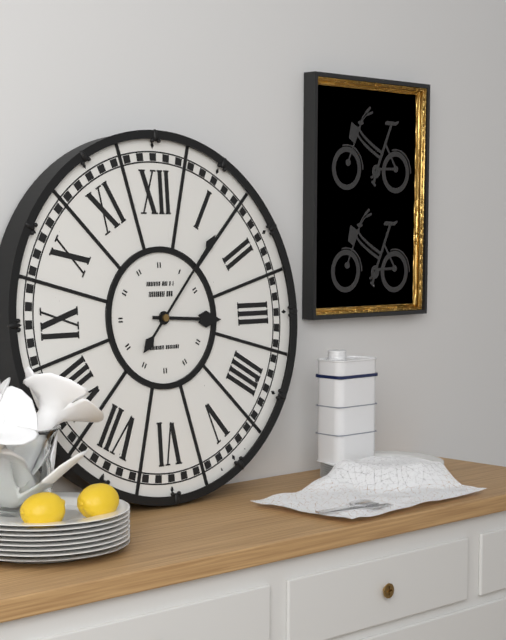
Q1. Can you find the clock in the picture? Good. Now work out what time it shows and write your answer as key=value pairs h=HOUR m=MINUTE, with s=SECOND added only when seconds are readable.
h=3 m=7
